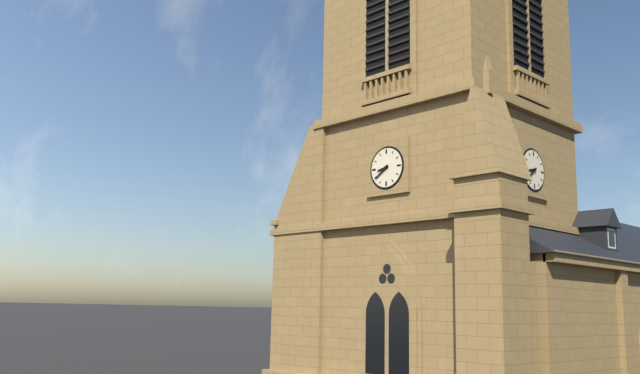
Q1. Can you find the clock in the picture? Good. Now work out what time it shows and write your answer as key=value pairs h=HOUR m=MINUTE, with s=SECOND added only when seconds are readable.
h=8 m=39
